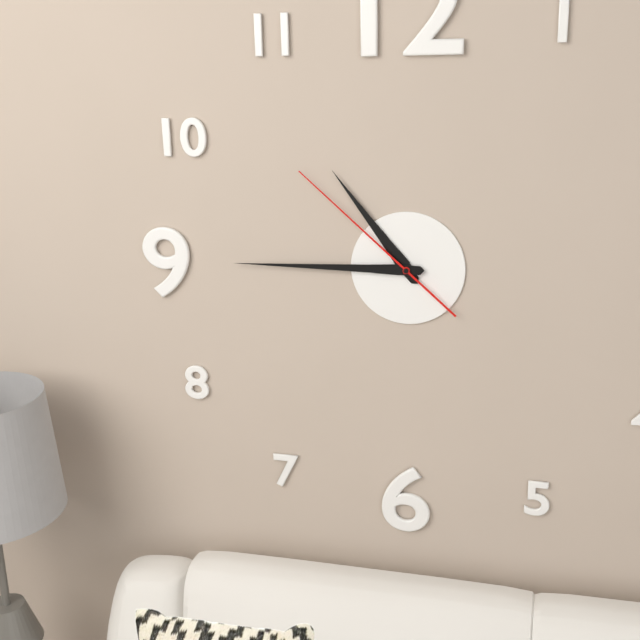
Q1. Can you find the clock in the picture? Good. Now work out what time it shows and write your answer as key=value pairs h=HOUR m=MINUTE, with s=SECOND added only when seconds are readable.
h=10 m=45 s=52
